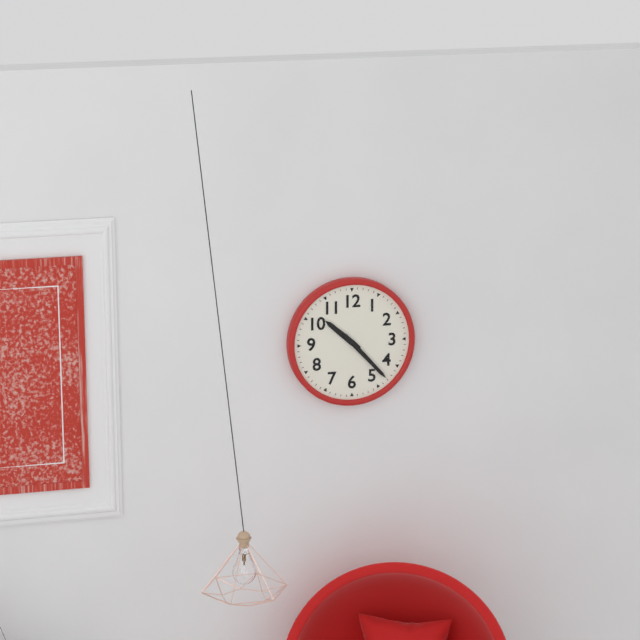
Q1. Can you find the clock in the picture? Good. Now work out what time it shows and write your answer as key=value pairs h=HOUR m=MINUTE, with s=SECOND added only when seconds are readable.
h=10 m=23
